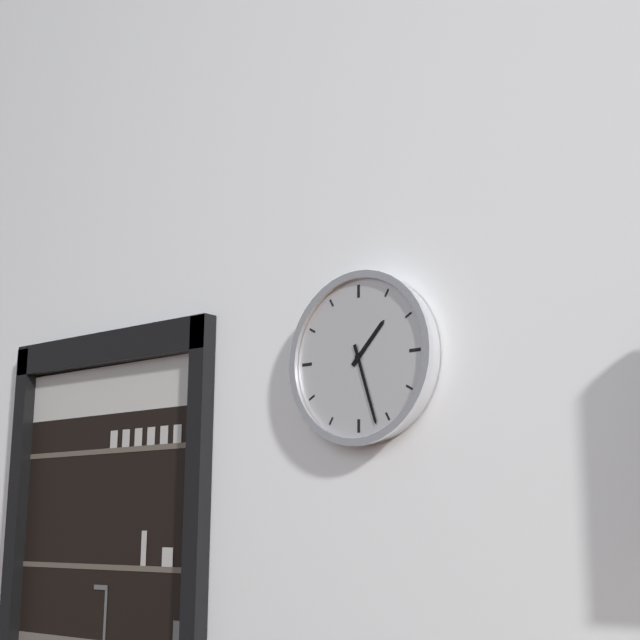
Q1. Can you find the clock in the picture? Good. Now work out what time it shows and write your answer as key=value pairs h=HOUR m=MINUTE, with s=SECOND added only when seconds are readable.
h=1 m=27
